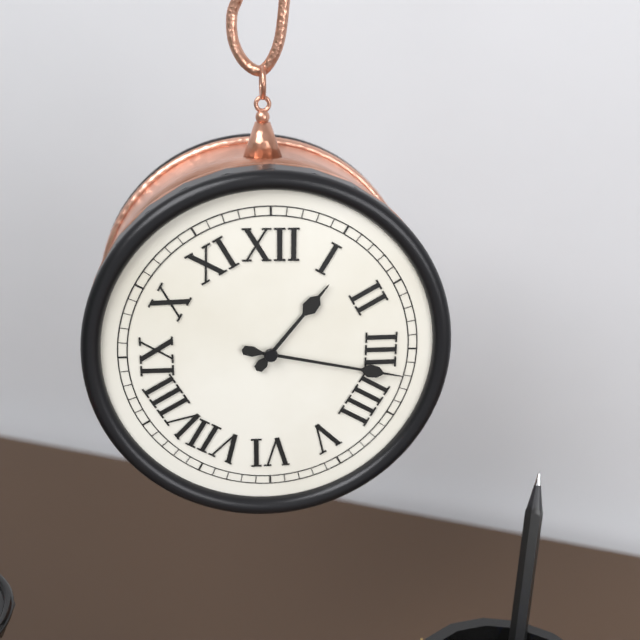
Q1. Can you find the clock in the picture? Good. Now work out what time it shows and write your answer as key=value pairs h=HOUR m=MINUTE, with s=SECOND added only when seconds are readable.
h=1 m=17
